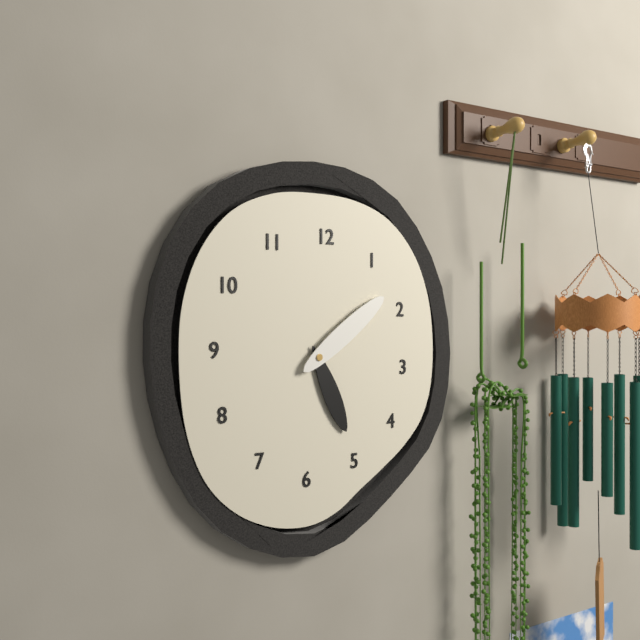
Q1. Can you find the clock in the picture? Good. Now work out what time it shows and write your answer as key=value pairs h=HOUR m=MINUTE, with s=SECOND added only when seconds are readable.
h=5 m=9
